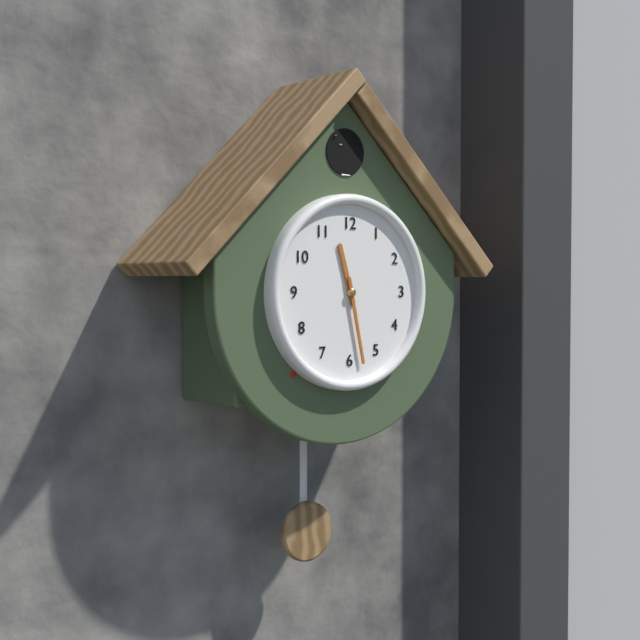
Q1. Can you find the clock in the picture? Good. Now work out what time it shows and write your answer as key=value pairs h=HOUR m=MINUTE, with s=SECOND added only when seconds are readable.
h=11 m=28
